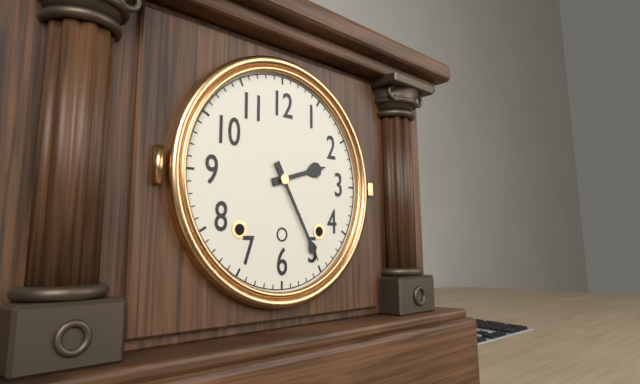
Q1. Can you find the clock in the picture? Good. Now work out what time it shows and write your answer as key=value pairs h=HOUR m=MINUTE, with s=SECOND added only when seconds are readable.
h=2 m=25
